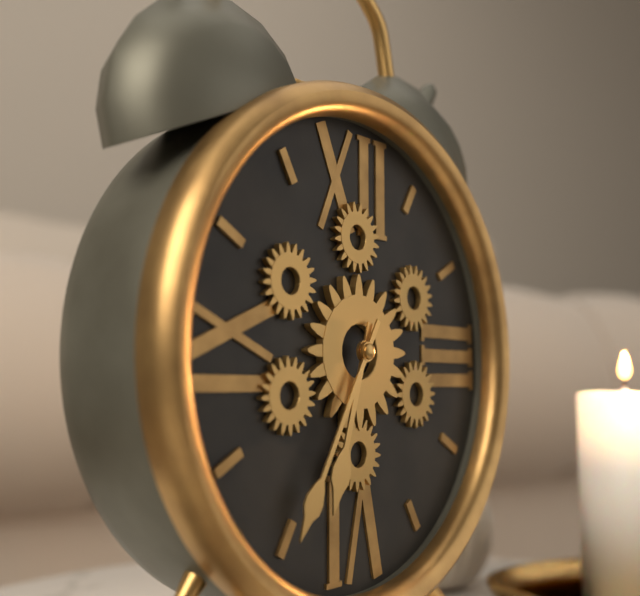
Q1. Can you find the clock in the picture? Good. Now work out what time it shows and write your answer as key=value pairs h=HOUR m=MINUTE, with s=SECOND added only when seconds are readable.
h=6 m=35
